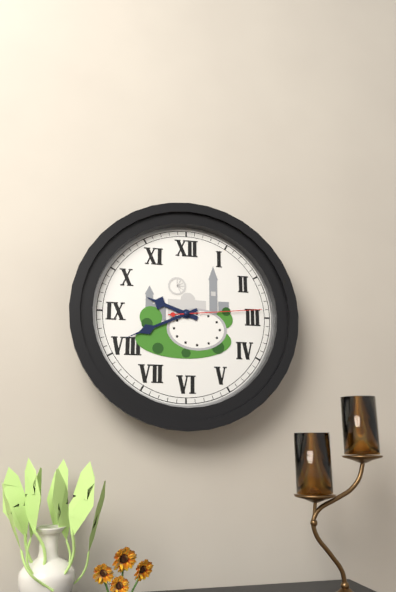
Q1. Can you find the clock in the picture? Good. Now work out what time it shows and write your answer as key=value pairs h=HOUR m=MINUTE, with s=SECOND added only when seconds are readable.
h=9 m=41 s=14
